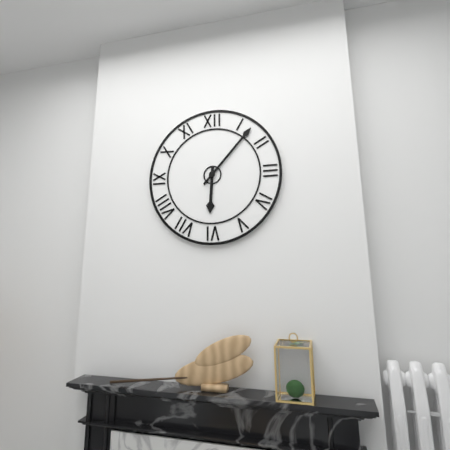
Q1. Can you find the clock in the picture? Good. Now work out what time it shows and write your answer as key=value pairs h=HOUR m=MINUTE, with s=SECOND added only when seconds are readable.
h=6 m=7
